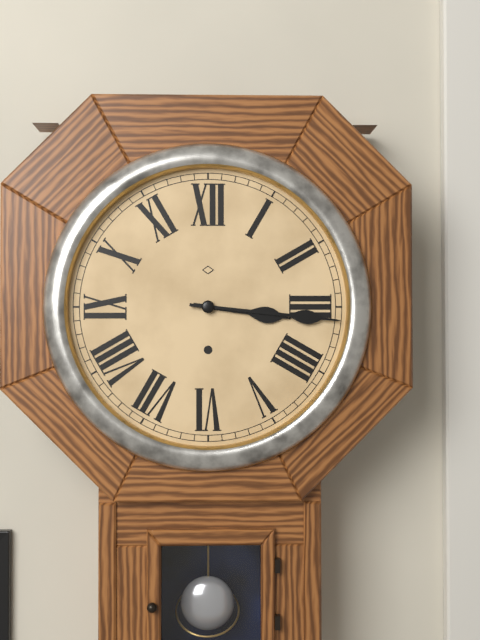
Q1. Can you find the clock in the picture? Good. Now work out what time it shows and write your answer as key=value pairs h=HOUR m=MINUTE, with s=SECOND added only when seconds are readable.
h=3 m=16
